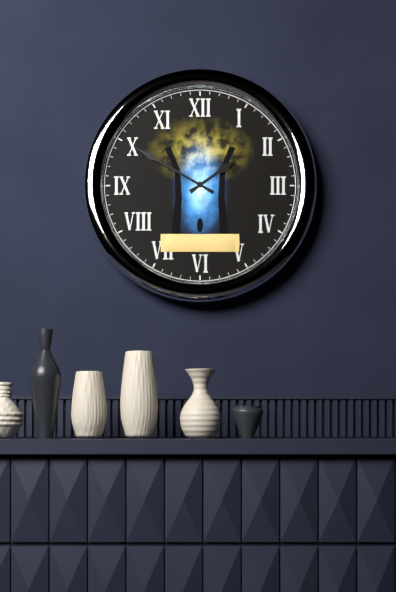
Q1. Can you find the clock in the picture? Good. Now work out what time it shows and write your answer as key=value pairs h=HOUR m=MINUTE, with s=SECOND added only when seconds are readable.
h=1 m=50
